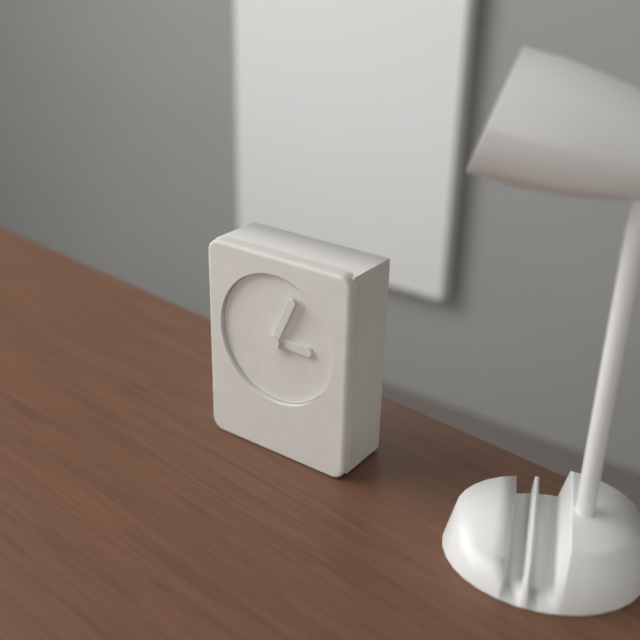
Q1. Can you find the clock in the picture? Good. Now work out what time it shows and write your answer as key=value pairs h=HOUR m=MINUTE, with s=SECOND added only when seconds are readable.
h=3 m=4
